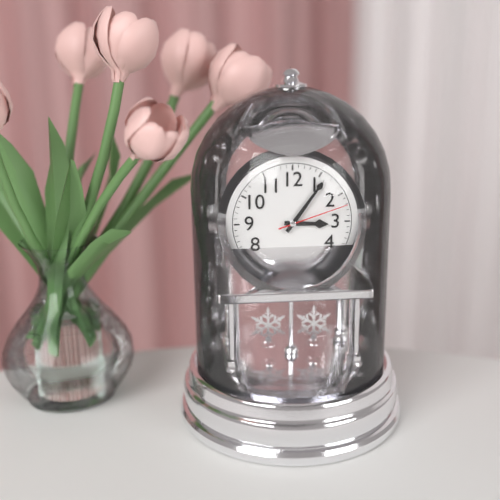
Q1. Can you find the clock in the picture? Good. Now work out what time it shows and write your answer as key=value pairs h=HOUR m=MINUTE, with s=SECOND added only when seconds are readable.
h=3 m=6 s=12
